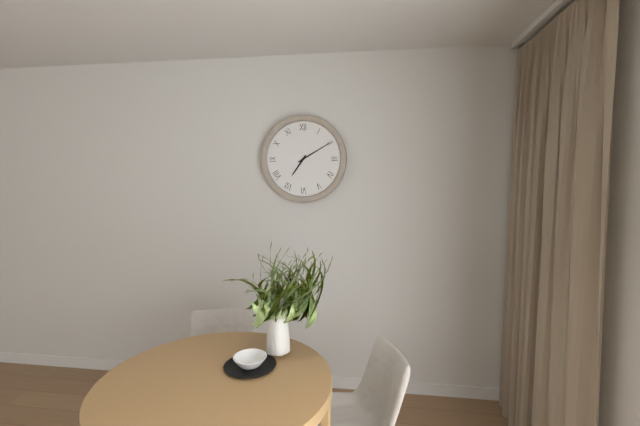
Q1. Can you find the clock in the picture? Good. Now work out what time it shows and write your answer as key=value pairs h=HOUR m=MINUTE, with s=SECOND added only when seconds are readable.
h=7 m=10
